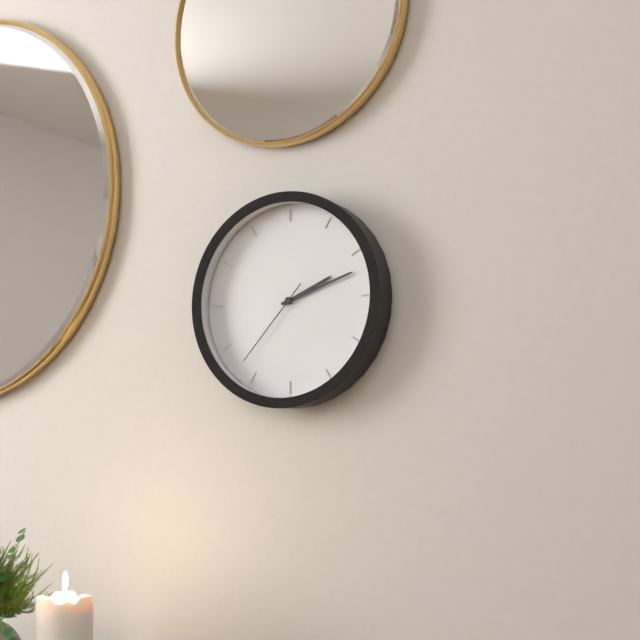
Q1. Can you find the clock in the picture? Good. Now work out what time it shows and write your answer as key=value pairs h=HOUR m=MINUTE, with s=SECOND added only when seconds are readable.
h=2 m=12 s=37
